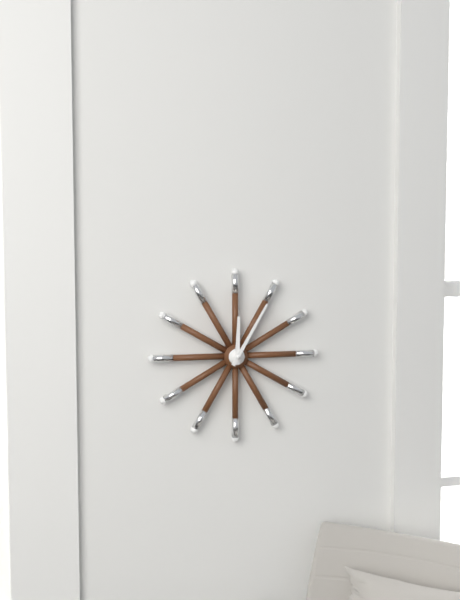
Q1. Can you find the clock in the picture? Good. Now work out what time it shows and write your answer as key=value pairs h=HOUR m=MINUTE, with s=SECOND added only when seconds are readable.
h=12 m=5
